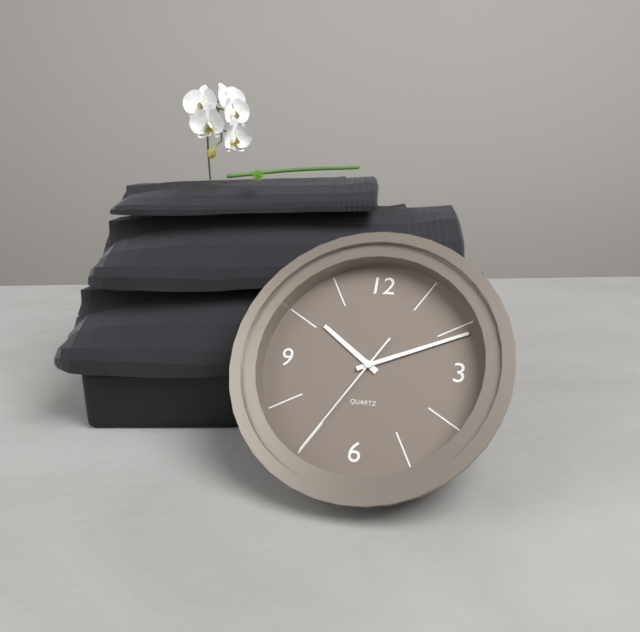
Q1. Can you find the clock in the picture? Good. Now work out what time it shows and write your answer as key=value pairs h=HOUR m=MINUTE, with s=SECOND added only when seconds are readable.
h=10 m=11 s=35
